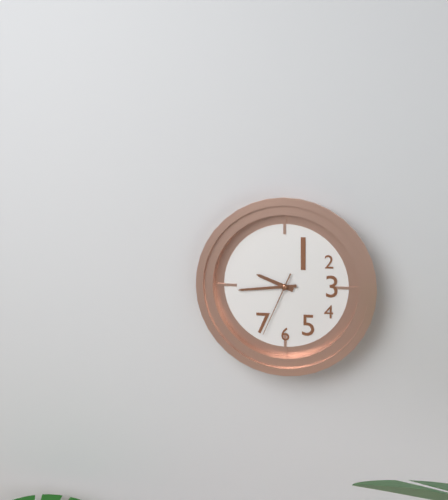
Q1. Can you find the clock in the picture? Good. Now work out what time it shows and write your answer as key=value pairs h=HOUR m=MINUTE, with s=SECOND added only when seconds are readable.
h=9 m=44 s=34
